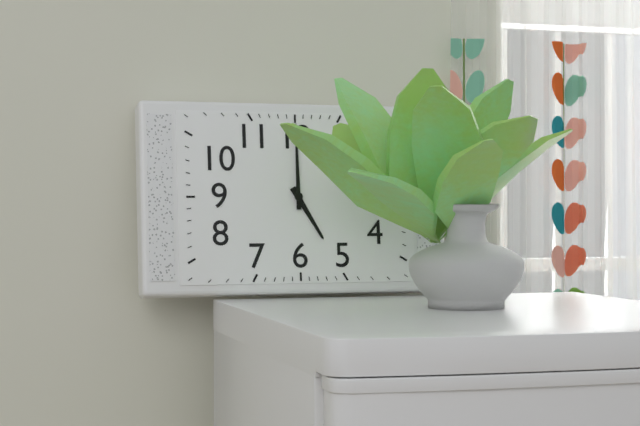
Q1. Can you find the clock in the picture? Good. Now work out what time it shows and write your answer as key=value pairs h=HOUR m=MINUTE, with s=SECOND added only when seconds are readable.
h=5 m=0
